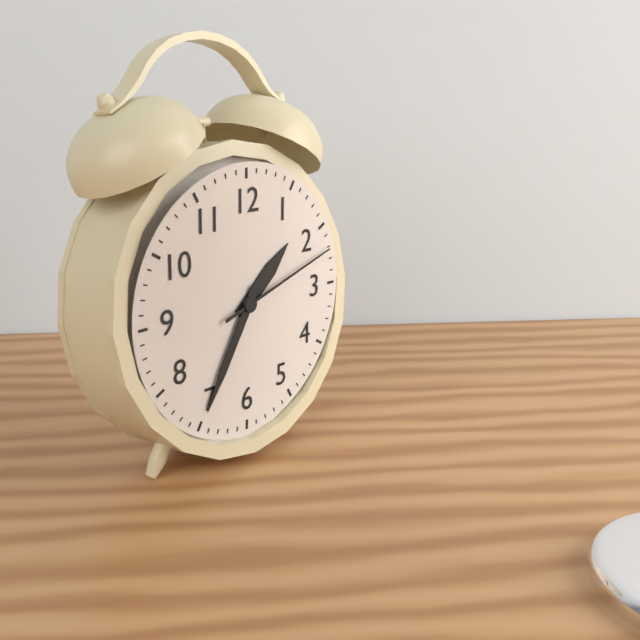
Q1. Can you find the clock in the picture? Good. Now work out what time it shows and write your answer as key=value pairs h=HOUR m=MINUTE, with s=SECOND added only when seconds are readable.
h=1 m=35 s=12
